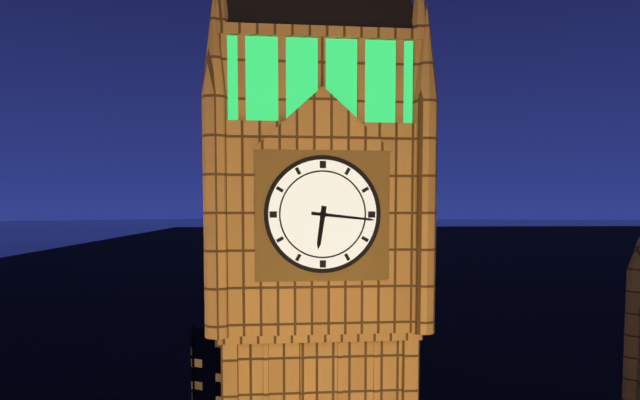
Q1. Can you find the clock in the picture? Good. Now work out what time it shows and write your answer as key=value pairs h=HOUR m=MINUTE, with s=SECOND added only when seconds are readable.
h=6 m=16
